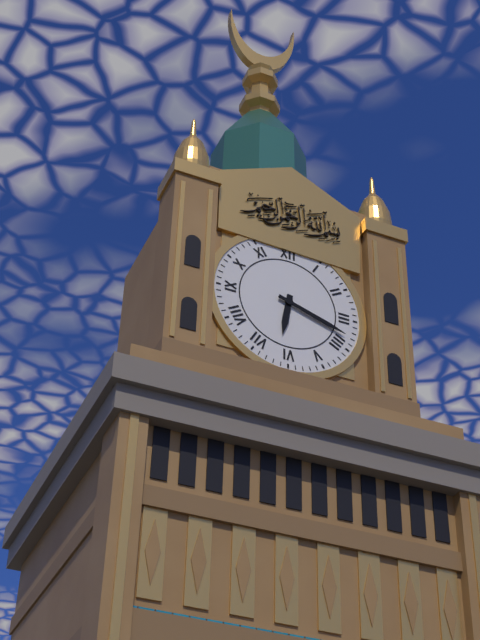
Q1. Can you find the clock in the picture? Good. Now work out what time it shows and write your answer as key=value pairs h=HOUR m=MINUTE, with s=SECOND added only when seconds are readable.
h=6 m=18
